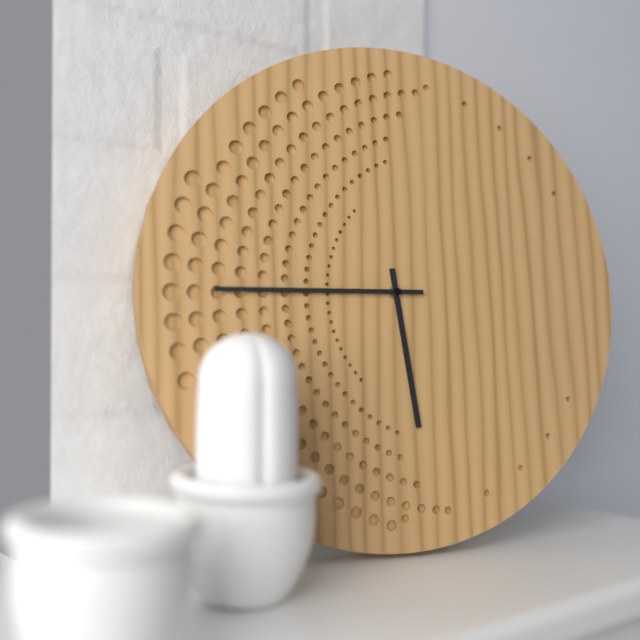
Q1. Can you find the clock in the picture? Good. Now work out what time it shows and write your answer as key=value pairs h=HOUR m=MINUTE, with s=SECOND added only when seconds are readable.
h=5 m=45
